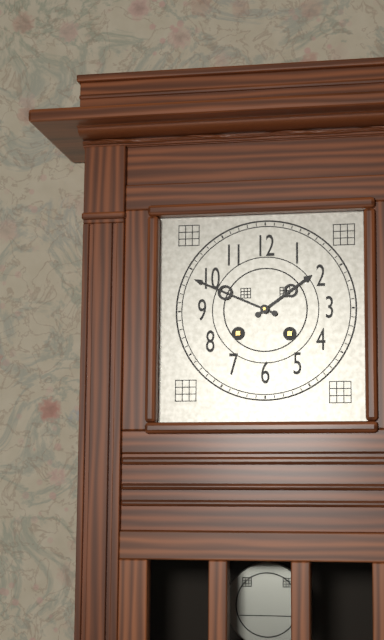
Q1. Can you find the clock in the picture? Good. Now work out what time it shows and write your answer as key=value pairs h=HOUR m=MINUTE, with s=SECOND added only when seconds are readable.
h=1 m=49
